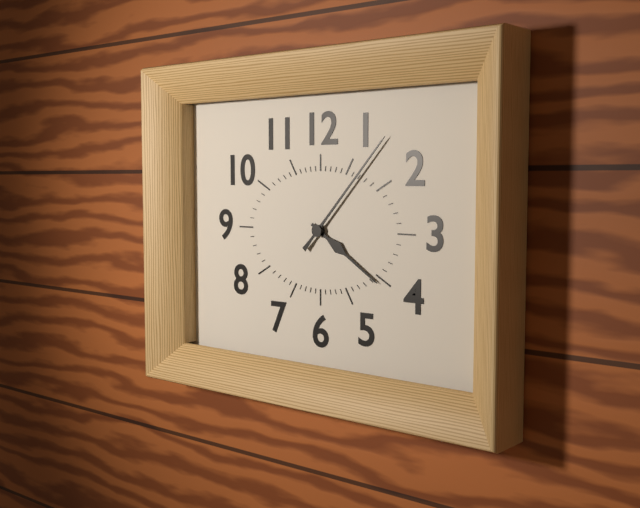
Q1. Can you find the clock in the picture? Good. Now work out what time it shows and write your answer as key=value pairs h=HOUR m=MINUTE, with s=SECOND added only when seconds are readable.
h=4 m=7
